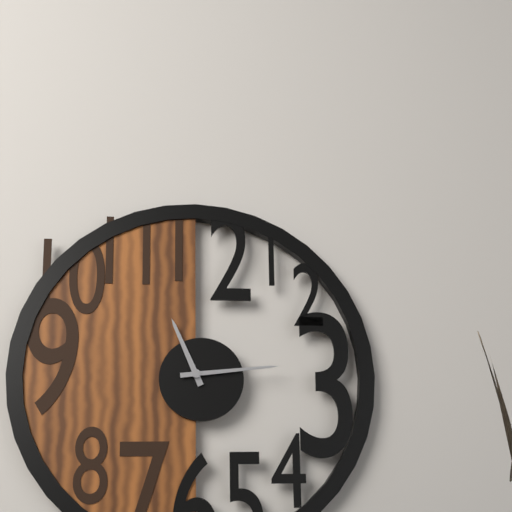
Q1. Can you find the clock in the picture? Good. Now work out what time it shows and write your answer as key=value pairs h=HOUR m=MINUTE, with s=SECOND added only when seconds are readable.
h=11 m=14
